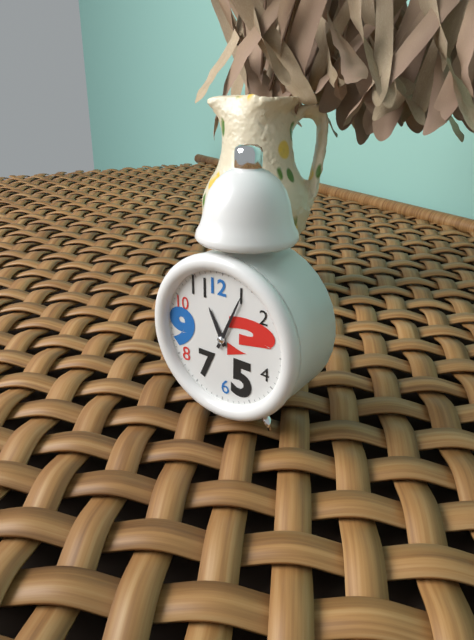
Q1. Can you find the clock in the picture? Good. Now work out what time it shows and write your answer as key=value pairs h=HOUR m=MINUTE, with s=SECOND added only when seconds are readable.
h=11 m=4
